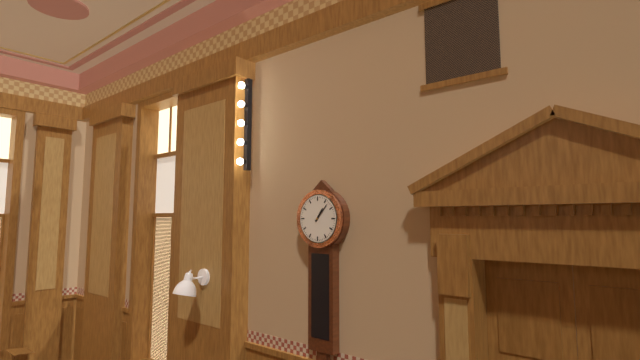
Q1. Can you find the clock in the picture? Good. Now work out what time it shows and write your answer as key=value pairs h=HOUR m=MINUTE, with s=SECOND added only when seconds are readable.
h=1 m=7
